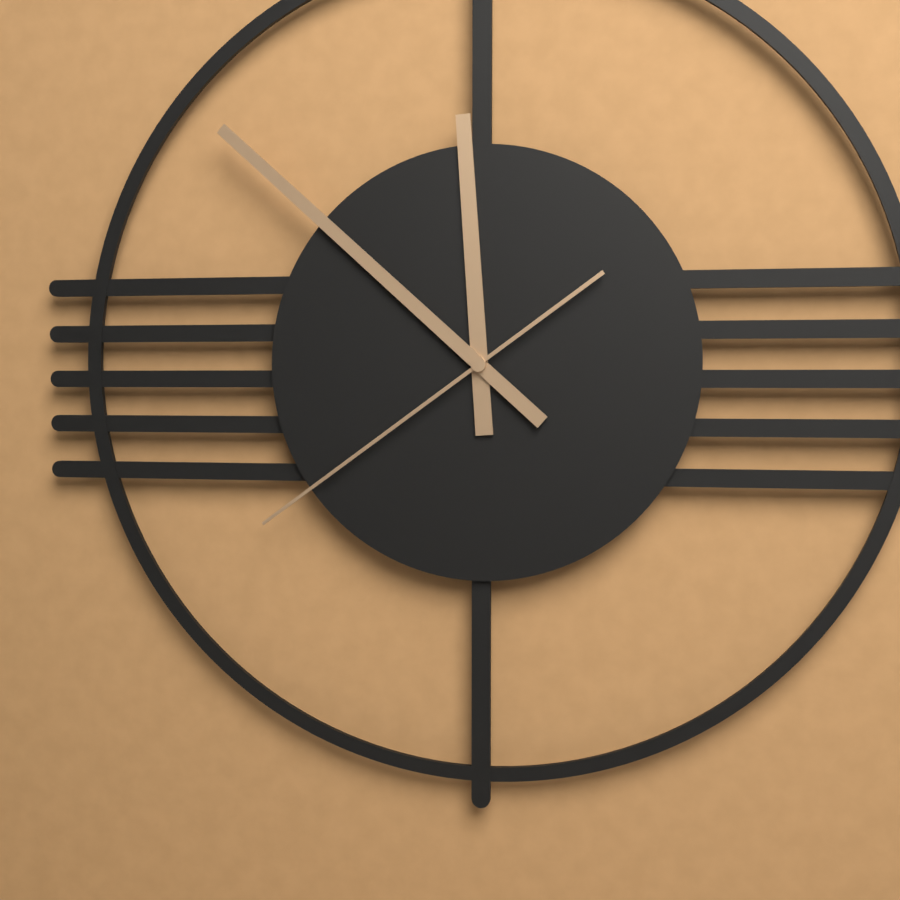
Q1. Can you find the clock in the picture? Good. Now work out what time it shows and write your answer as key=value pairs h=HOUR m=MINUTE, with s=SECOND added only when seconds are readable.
h=11 m=52 s=39
